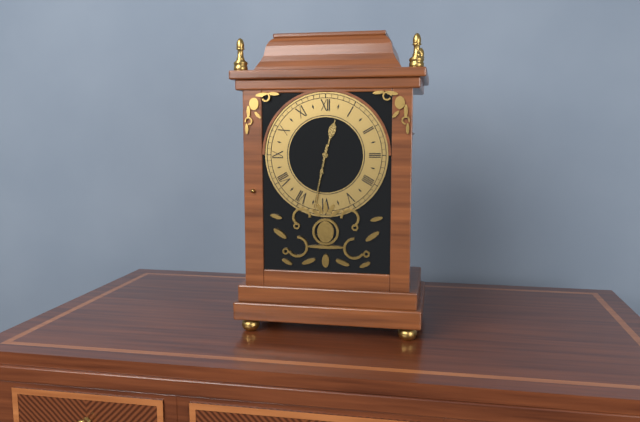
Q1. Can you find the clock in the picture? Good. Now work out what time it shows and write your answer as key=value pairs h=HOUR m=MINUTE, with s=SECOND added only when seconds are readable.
h=12 m=32
